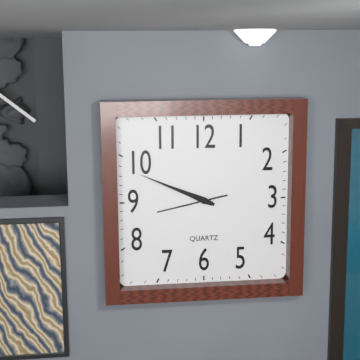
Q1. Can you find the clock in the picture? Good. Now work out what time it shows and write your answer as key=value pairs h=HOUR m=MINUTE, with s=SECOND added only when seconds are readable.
h=9 m=49 s=43
